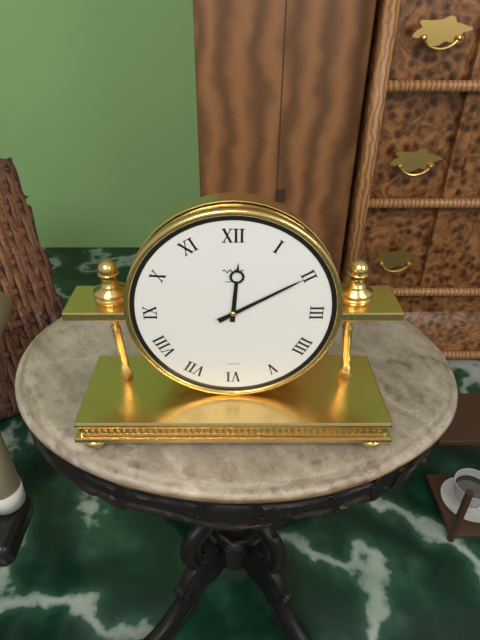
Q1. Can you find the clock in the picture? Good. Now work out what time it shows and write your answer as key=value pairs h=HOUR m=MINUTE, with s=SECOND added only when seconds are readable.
h=12 m=10
